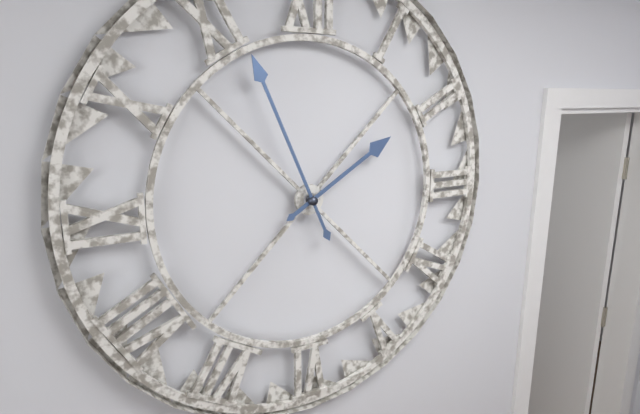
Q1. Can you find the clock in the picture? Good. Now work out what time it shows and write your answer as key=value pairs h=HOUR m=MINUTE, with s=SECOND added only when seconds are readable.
h=1 m=56
